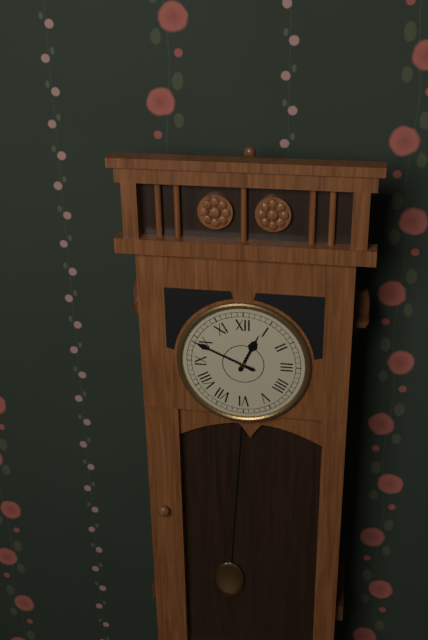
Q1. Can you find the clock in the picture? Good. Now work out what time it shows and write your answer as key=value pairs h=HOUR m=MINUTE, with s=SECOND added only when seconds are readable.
h=12 m=49
